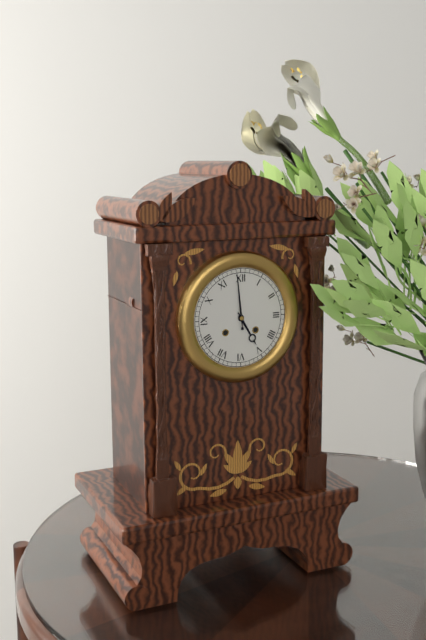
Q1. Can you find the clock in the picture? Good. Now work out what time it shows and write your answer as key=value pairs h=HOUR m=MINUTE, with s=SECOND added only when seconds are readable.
h=4 m=59
